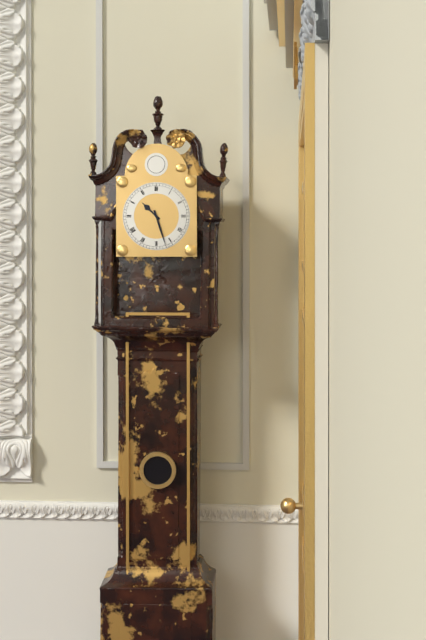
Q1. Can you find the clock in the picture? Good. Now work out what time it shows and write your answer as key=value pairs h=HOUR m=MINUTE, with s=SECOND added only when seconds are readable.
h=10 m=27
